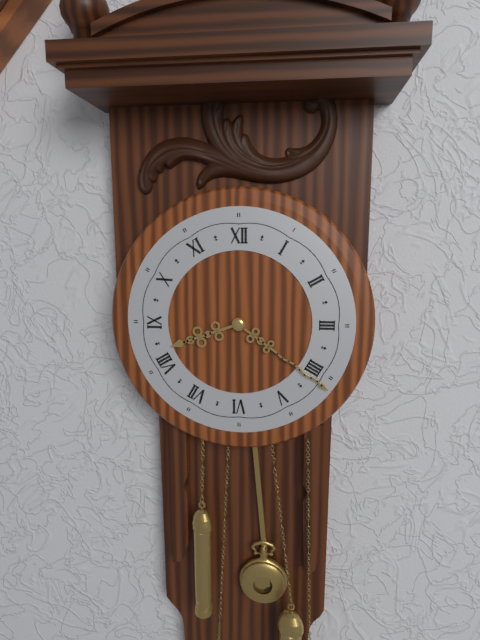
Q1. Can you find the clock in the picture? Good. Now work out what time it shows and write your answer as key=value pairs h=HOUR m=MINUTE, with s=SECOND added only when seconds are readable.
h=8 m=21
